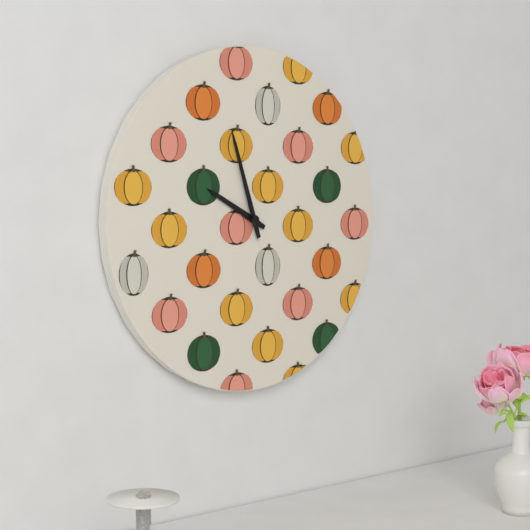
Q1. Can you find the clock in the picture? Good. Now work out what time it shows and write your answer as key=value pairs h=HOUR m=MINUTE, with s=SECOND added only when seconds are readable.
h=9 m=57
